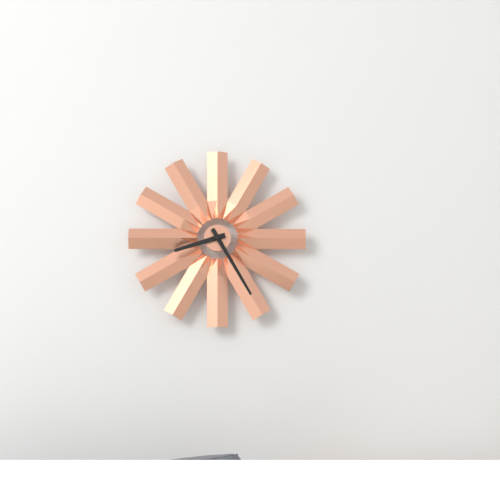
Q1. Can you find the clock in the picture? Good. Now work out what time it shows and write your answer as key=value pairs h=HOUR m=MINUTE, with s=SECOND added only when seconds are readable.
h=8 m=25
